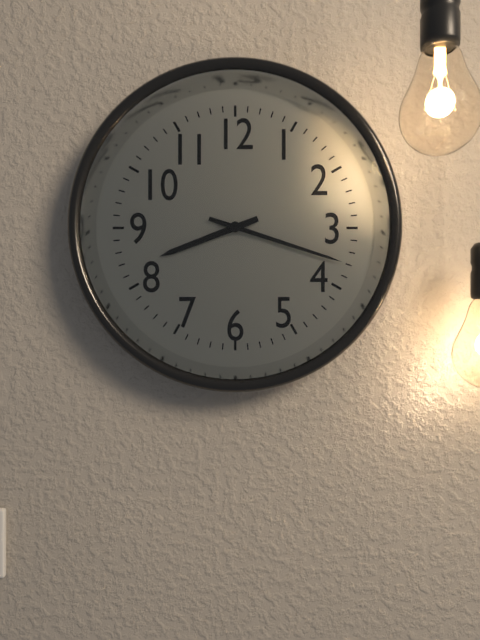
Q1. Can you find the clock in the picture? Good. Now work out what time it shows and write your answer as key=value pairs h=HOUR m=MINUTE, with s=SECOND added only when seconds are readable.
h=8 m=18
